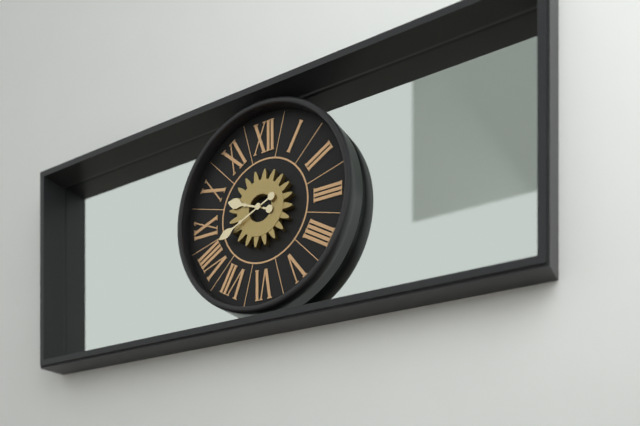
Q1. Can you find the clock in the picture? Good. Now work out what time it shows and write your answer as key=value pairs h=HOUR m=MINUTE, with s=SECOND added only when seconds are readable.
h=9 m=41
